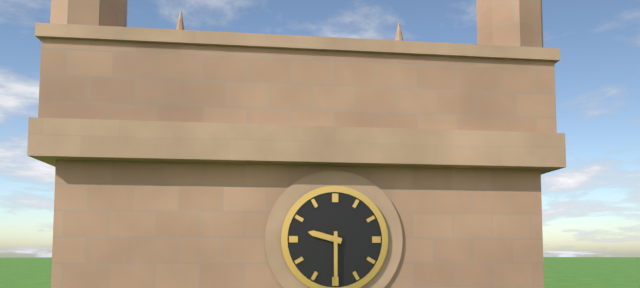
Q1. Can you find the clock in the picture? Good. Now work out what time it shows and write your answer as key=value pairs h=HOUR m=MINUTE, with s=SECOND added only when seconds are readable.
h=9 m=30
